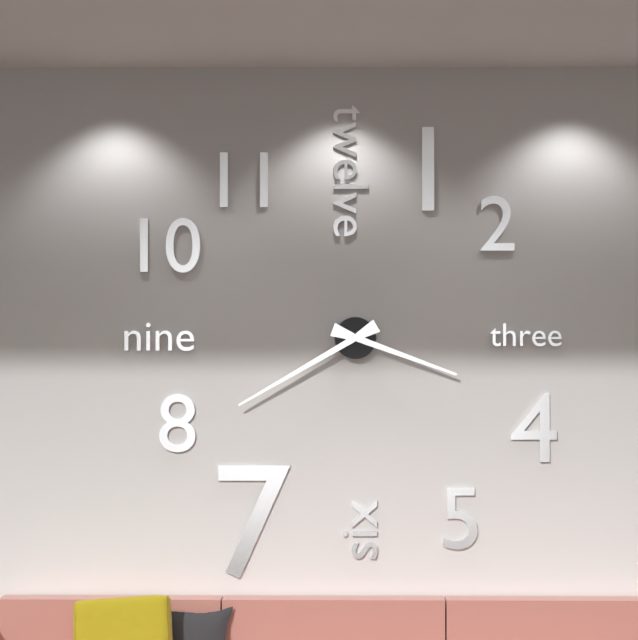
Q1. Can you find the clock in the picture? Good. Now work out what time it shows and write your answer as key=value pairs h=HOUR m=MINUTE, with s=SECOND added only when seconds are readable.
h=3 m=40
